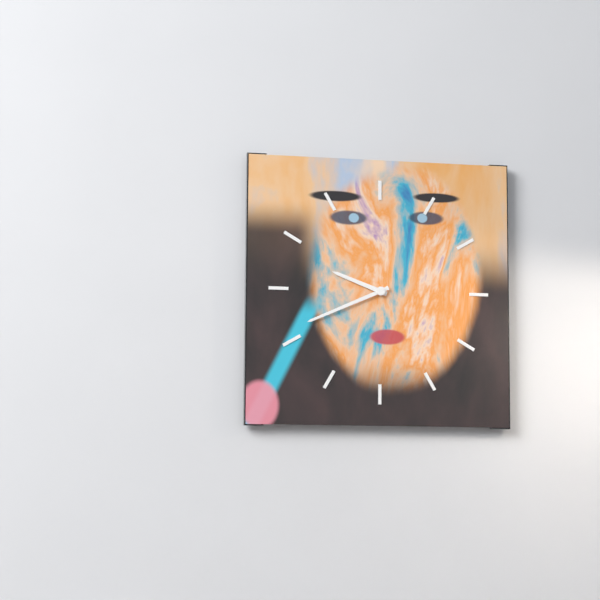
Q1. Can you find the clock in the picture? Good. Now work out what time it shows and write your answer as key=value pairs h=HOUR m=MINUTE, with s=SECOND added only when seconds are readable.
h=9 m=41
